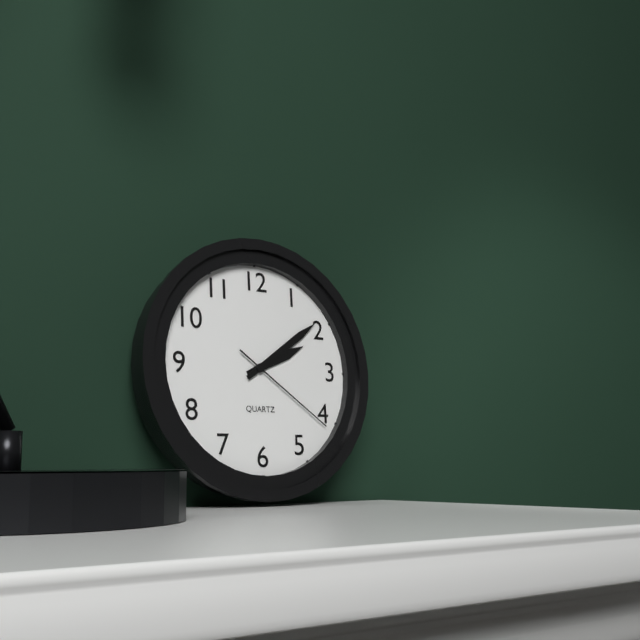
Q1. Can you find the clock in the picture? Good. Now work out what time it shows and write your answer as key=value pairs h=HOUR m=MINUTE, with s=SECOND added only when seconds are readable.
h=2 m=9 s=21
